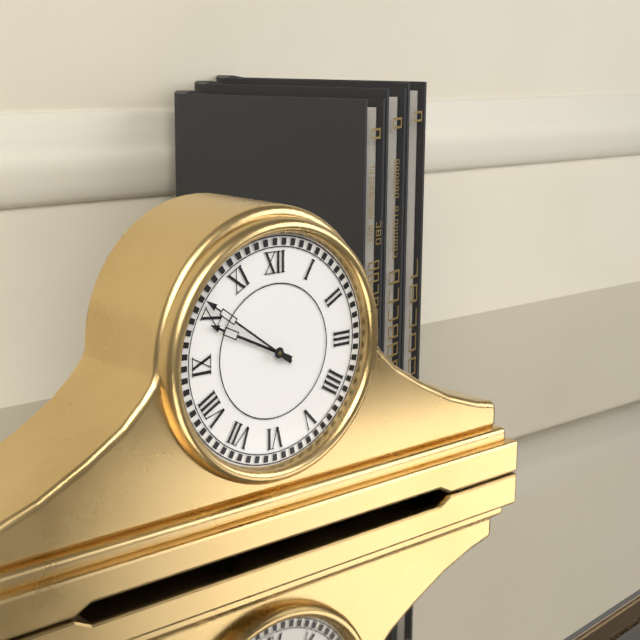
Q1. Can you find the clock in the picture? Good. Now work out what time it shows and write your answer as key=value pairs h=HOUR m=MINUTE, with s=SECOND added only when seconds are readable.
h=9 m=51
